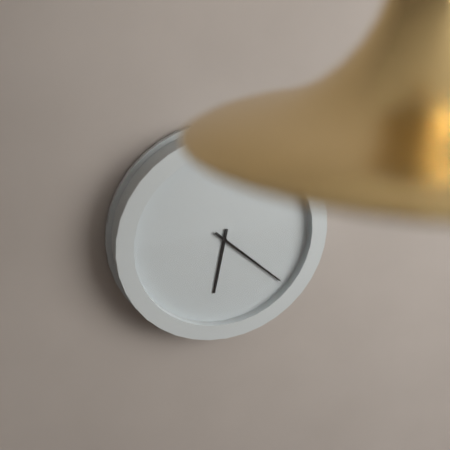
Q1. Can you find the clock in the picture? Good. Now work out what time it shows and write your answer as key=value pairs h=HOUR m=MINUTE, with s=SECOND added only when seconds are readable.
h=6 m=22
